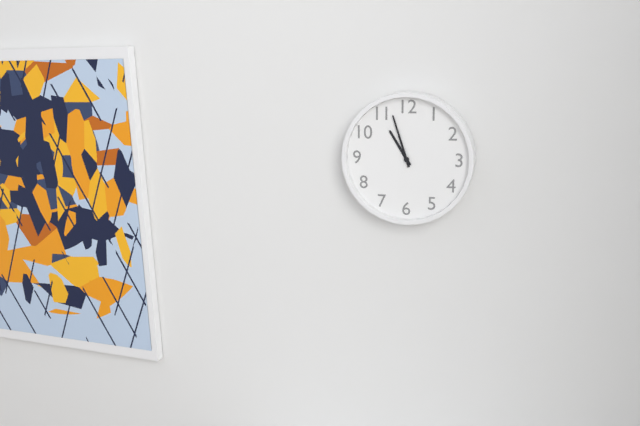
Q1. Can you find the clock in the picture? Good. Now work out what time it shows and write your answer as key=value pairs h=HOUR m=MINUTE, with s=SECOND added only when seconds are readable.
h=10 m=57
